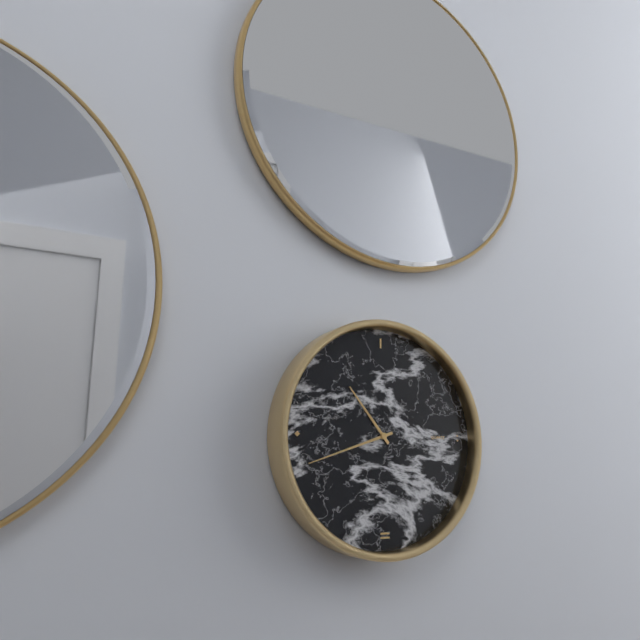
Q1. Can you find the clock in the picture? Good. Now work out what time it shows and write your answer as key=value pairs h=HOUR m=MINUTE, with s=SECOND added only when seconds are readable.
h=10 m=42
